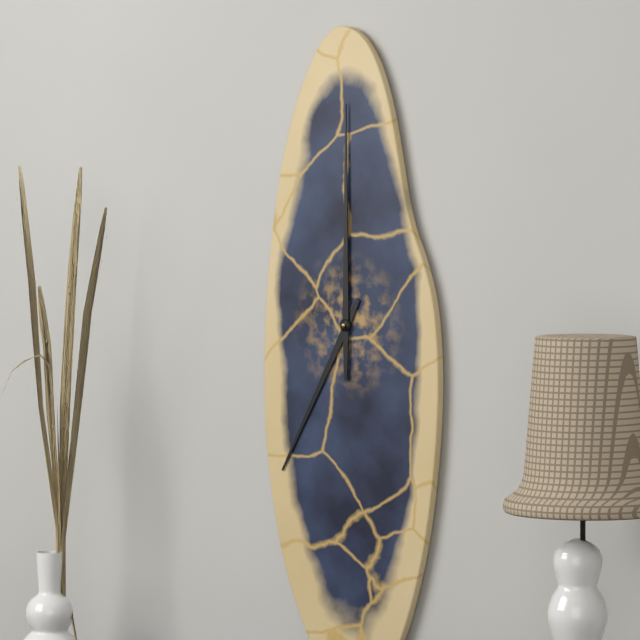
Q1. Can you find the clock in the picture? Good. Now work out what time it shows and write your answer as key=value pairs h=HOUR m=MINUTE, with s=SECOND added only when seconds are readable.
h=7 m=0
